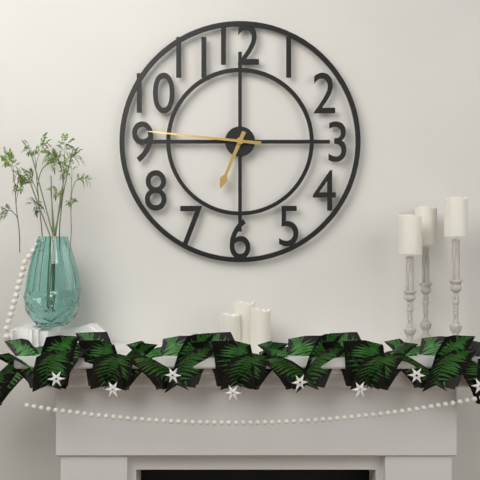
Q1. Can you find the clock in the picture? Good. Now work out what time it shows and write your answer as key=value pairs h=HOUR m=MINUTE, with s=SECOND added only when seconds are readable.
h=6 m=46
